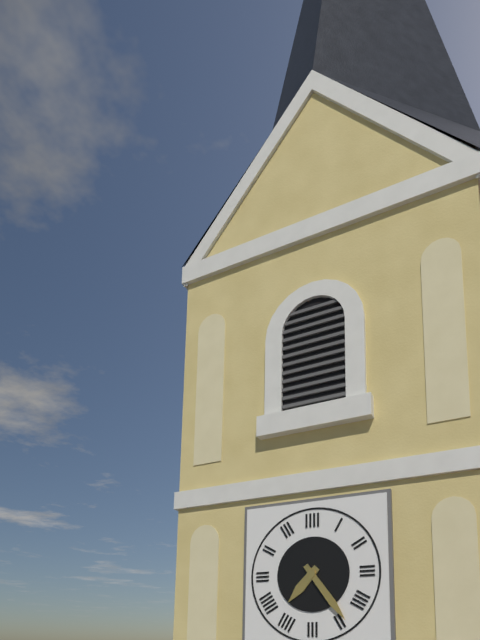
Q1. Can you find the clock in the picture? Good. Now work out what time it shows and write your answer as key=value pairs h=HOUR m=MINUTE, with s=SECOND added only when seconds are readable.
h=7 m=24
